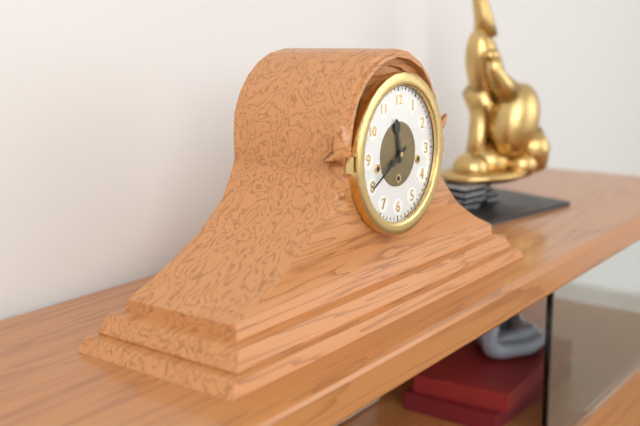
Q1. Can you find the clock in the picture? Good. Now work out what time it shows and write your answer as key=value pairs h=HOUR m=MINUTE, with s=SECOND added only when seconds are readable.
h=11 m=40
